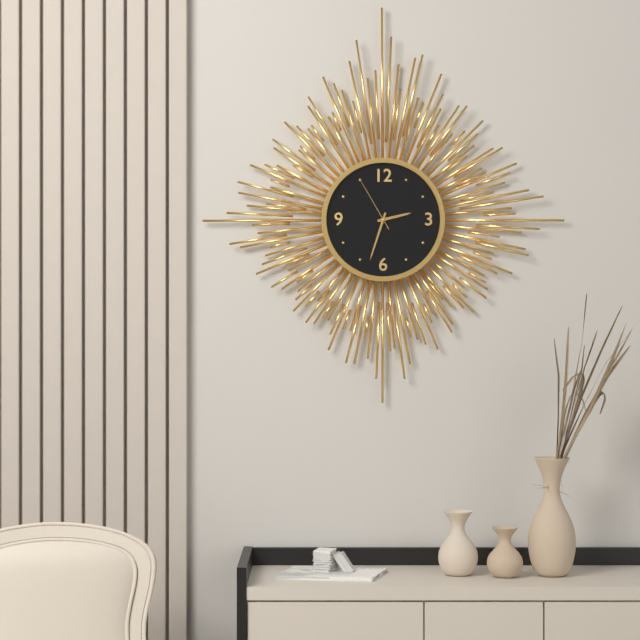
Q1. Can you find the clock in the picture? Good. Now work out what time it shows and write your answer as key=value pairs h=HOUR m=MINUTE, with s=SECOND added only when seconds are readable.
h=2 m=33 s=55
